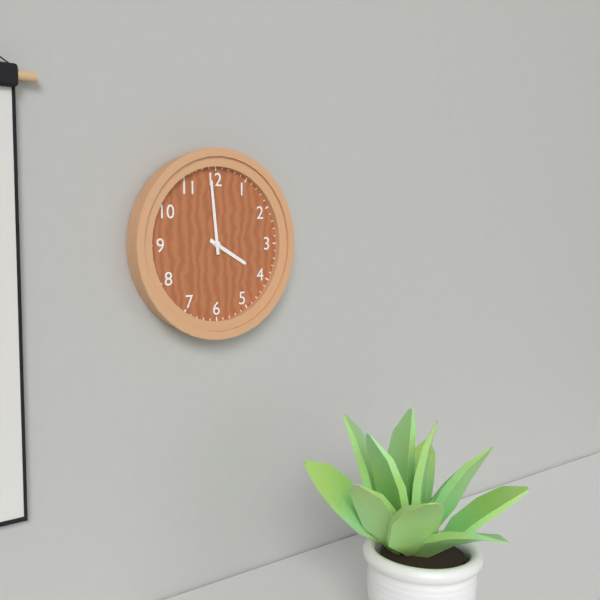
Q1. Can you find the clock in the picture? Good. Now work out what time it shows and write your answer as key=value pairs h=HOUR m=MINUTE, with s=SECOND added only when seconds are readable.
h=3 m=59
